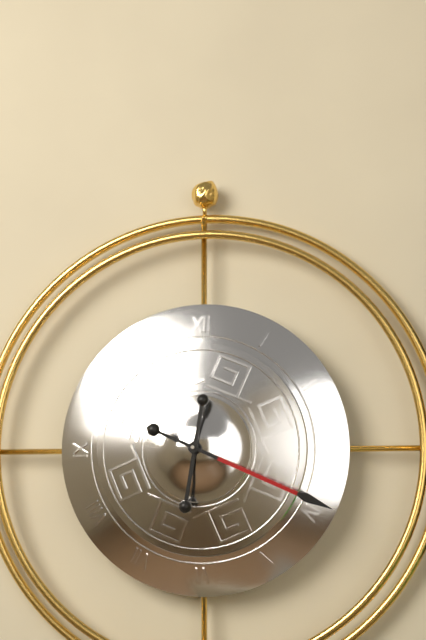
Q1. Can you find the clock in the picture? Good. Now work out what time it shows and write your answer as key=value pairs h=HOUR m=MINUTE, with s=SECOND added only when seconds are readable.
h=6 m=19
